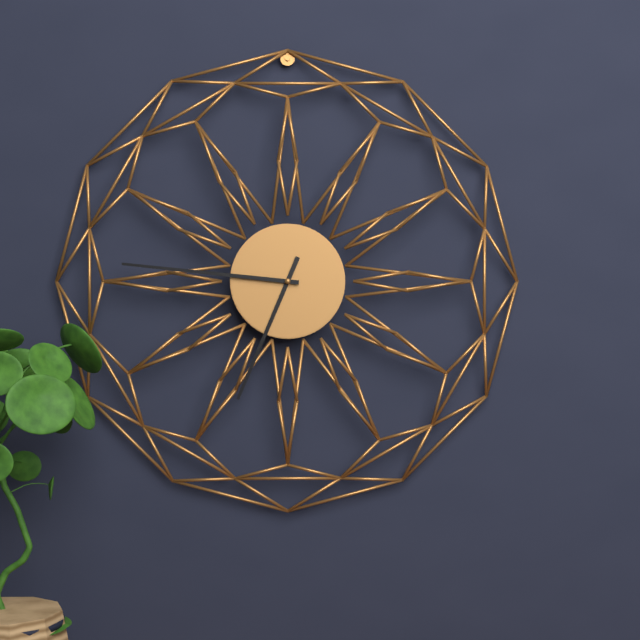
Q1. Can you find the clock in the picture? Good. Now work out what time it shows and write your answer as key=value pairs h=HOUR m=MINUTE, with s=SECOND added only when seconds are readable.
h=6 m=46
